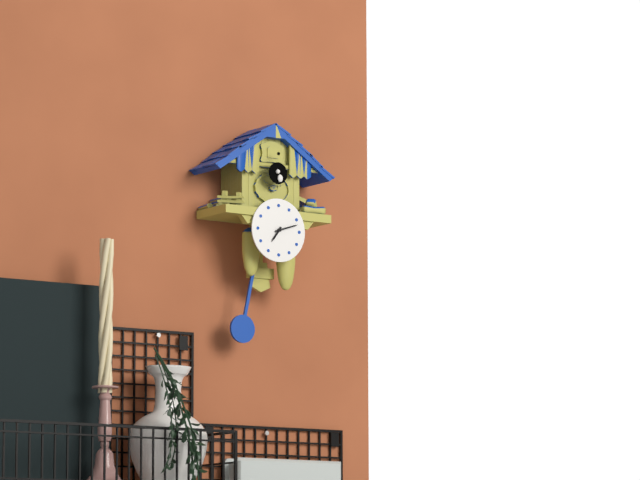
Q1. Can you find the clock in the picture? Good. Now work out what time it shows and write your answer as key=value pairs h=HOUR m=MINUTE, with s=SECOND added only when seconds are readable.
h=7 m=12
